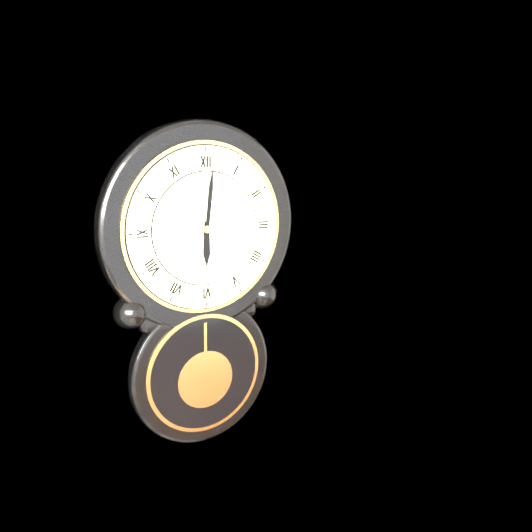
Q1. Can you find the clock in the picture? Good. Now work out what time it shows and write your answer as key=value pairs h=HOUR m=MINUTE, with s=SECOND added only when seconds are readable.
h=6 m=1
